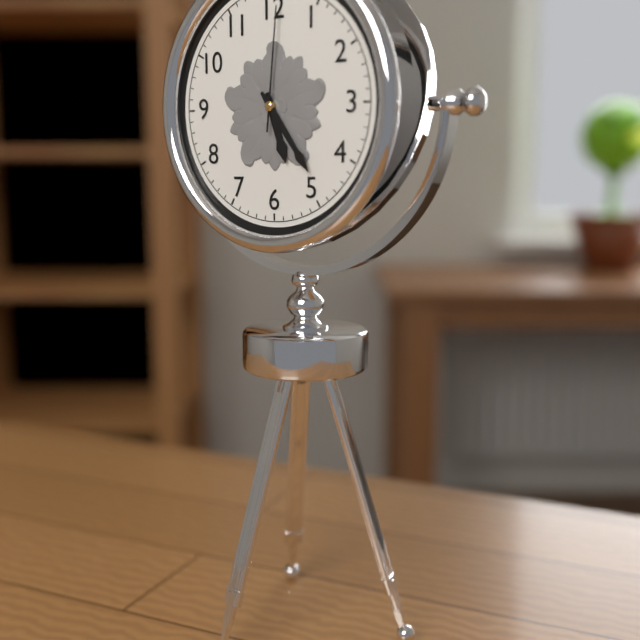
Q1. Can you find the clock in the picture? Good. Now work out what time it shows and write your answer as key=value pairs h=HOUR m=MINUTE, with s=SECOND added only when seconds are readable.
h=5 m=24 s=1
